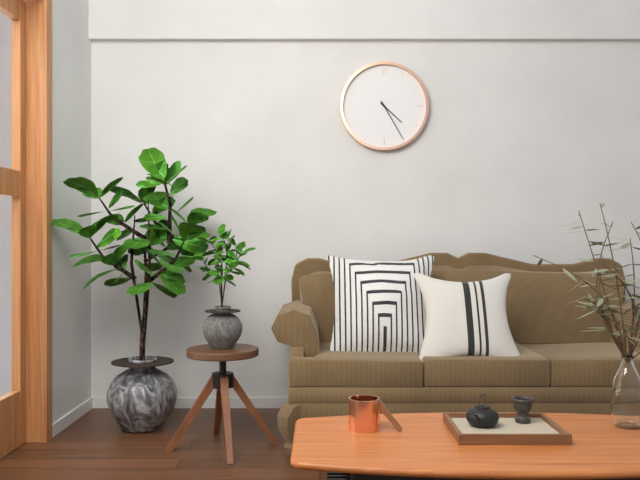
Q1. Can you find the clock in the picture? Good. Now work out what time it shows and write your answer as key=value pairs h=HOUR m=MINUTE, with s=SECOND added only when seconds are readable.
h=4 m=25
